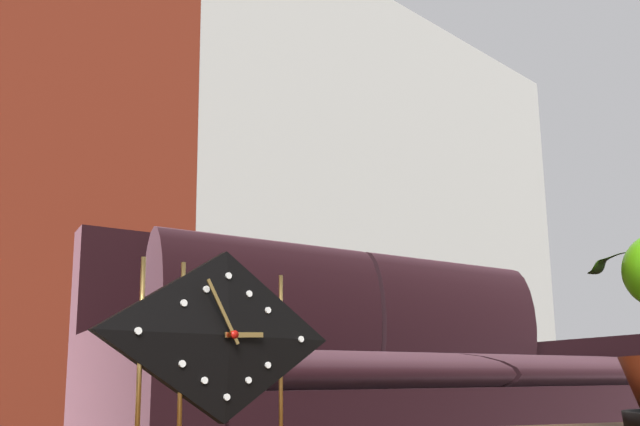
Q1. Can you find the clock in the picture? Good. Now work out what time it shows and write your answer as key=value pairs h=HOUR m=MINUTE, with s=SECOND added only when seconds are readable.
h=2 m=55
